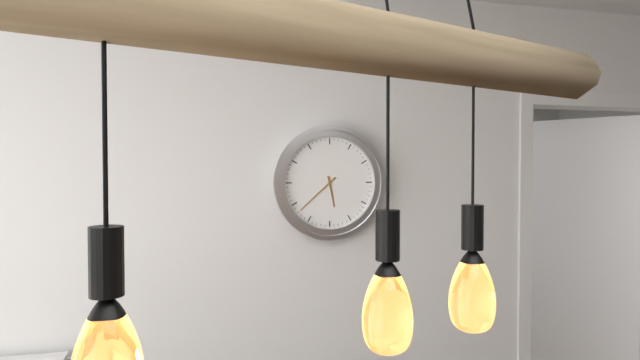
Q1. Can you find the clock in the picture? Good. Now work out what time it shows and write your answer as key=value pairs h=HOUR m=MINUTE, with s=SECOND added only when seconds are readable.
h=5 m=38
